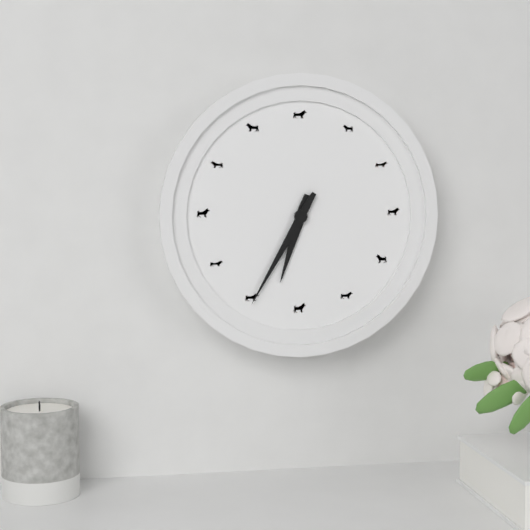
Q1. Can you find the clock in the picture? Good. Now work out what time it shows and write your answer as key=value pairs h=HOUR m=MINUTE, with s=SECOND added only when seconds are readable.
h=6 m=35
